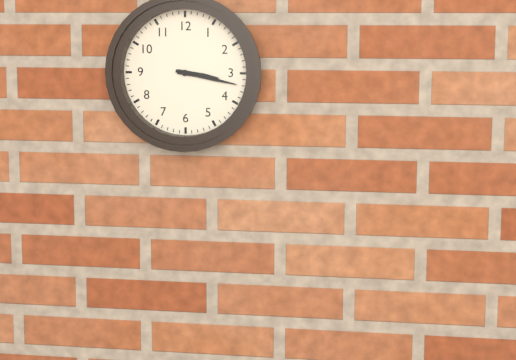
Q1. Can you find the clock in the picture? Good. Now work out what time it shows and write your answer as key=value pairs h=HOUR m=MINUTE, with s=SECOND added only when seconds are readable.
h=3 m=17
